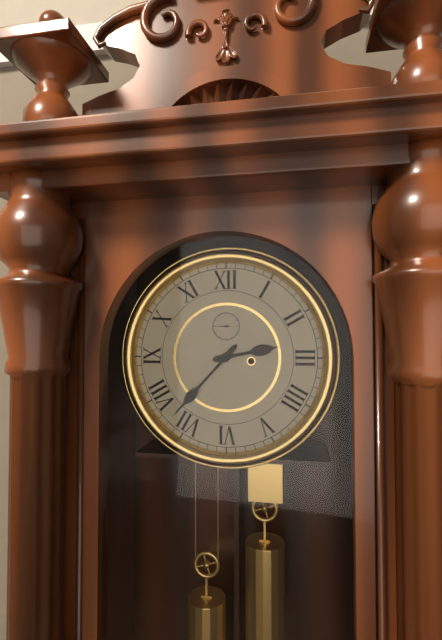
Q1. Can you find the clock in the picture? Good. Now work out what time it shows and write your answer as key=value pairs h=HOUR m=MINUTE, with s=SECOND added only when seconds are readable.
h=2 m=37
